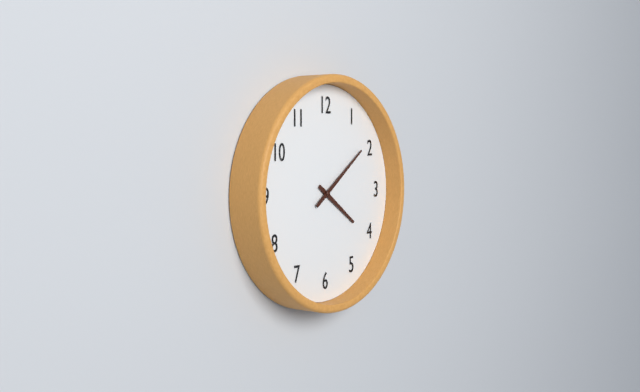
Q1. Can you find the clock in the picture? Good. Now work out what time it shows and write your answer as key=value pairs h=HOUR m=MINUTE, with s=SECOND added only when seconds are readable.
h=4 m=9
